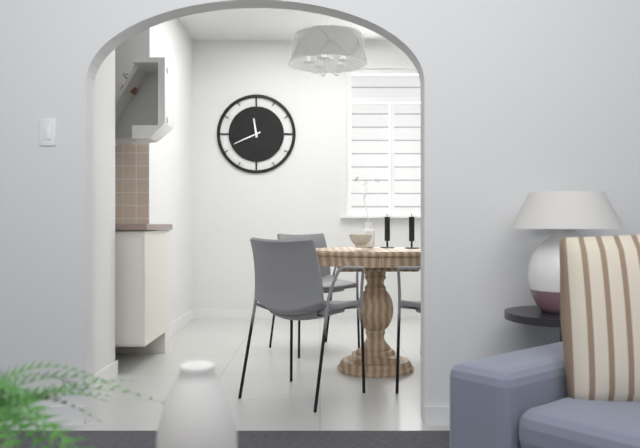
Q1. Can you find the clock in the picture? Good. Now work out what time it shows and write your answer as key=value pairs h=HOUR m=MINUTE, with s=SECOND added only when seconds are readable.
h=11 m=41
